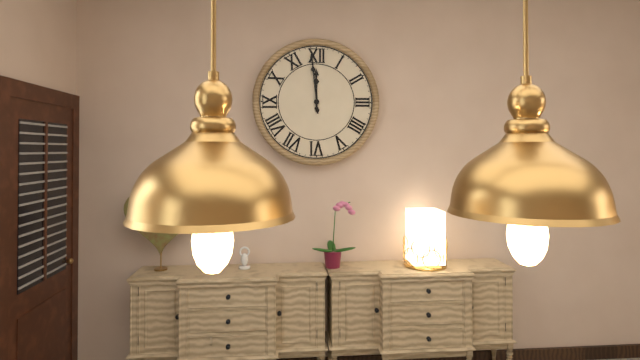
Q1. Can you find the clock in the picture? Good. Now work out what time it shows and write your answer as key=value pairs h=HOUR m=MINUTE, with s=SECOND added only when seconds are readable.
h=11 m=59
